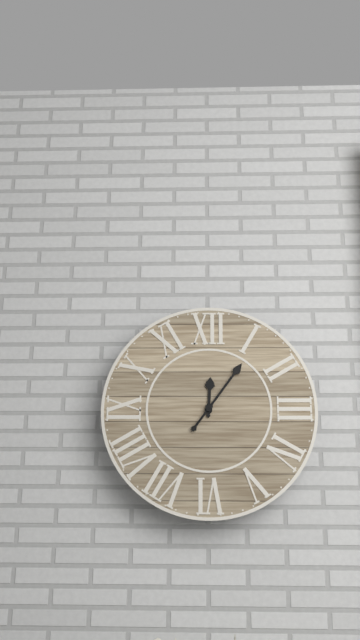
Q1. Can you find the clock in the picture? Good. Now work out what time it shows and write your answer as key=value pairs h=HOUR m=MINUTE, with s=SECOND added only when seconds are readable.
h=12 m=6
